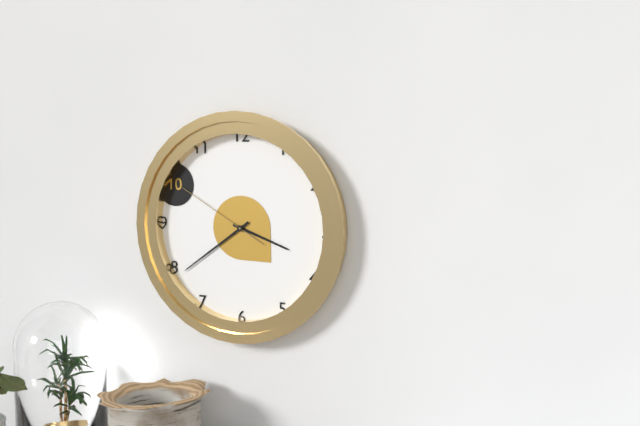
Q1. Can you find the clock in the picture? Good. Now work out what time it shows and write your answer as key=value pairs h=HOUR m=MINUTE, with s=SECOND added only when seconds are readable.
h=3 m=39 s=50
